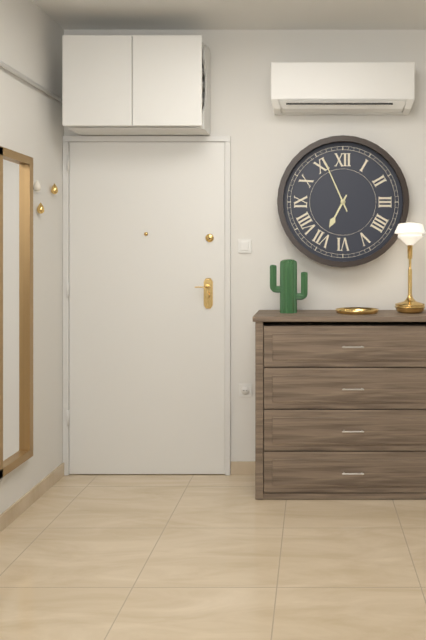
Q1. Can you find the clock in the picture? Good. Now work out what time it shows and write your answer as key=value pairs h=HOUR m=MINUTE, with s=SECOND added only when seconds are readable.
h=6 m=56
